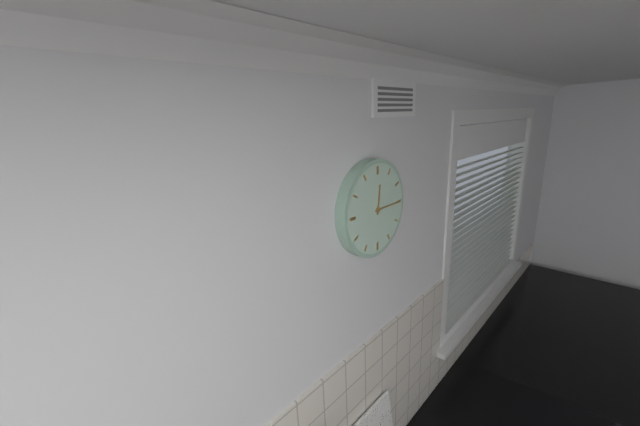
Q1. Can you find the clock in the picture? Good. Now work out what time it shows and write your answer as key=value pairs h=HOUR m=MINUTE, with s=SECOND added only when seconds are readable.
h=12 m=15
